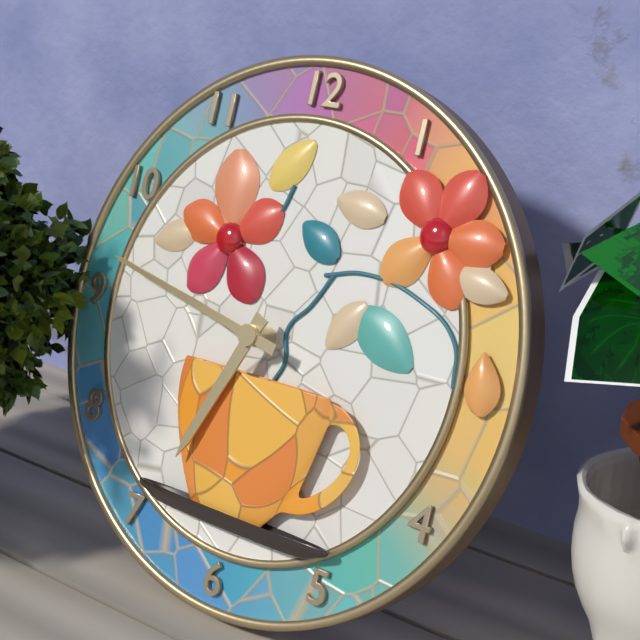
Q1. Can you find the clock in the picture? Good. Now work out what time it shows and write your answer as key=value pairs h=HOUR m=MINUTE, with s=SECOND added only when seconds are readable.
h=6 m=47
